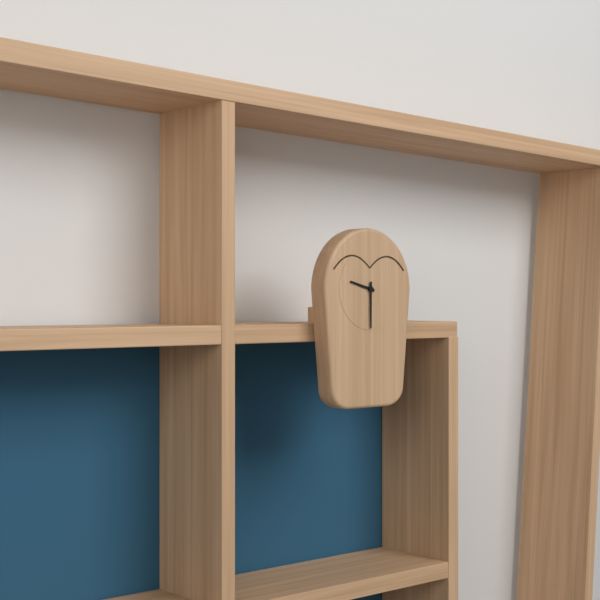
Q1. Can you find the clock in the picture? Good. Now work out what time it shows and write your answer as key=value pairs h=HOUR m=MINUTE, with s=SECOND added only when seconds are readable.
h=9 m=30
